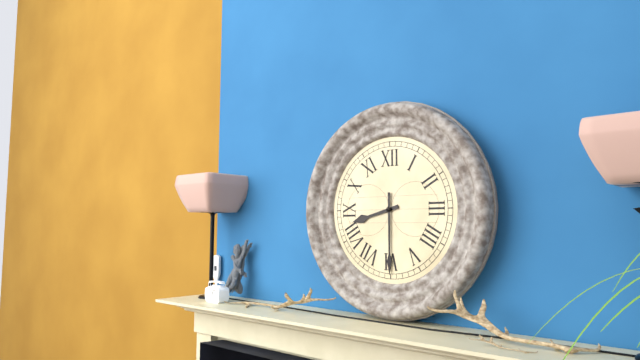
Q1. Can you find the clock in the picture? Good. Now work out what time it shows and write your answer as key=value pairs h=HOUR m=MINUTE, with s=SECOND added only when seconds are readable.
h=8 m=30
